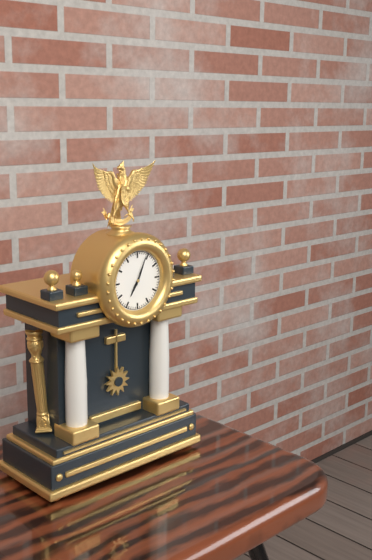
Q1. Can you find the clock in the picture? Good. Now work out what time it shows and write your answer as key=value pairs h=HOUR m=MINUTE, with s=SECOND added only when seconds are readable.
h=7 m=4
